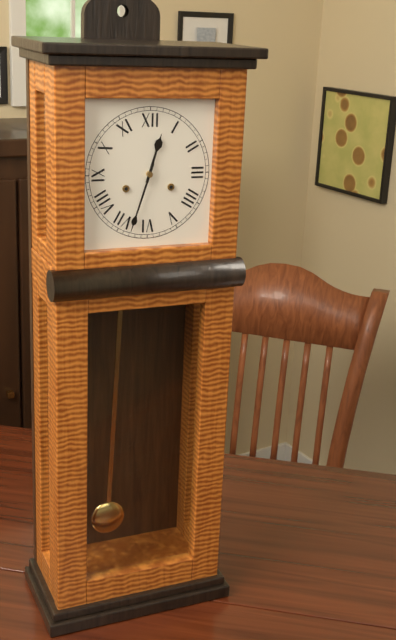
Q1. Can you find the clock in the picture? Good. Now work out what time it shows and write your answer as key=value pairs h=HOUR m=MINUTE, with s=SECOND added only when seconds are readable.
h=12 m=33
